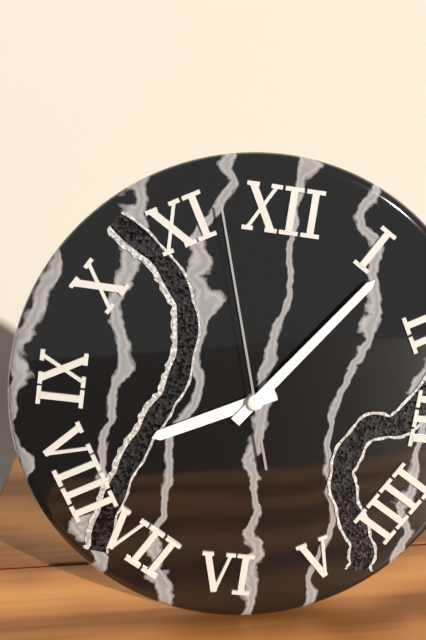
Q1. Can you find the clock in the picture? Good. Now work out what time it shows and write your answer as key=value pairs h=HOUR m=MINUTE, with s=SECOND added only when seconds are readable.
h=8 m=6 s=57
